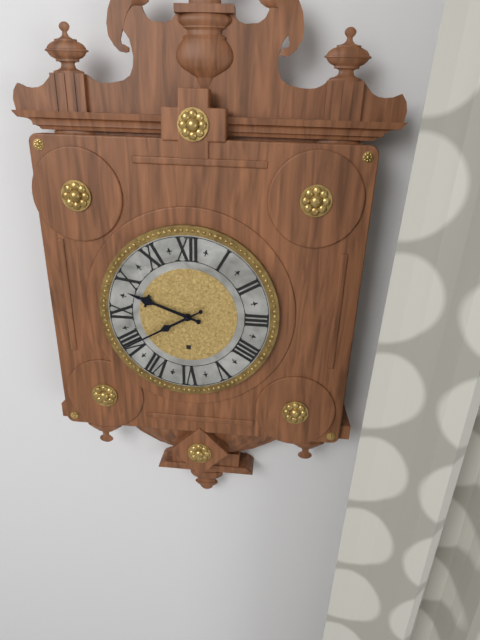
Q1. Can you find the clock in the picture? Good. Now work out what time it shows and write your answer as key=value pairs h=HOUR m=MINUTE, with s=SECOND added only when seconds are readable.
h=9 m=40
